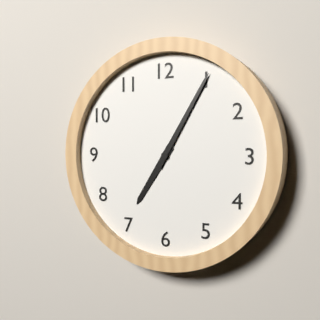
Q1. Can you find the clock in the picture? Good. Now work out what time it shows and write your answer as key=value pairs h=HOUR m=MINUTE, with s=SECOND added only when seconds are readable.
h=7 m=5
